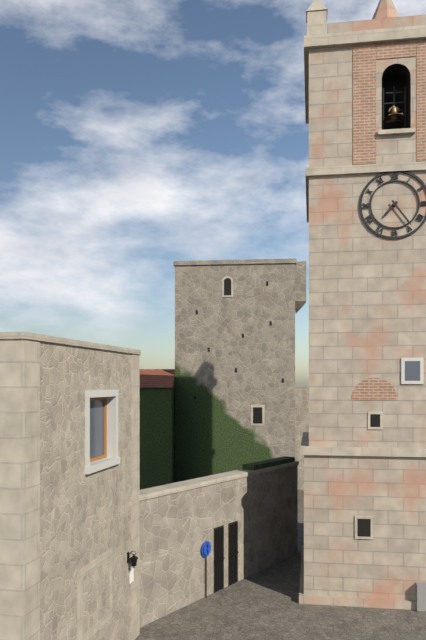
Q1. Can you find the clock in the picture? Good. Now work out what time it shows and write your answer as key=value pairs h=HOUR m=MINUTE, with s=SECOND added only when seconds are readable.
h=7 m=24
